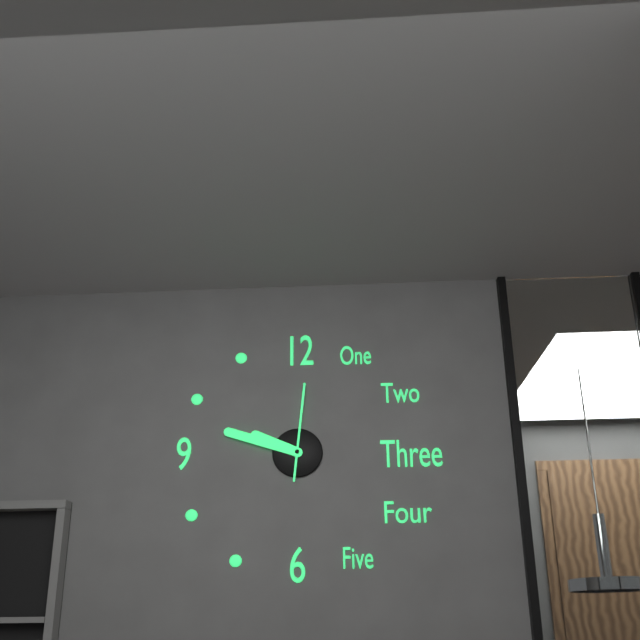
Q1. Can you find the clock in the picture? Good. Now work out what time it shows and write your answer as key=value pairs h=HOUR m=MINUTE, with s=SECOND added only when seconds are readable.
h=9 m=48 s=1
